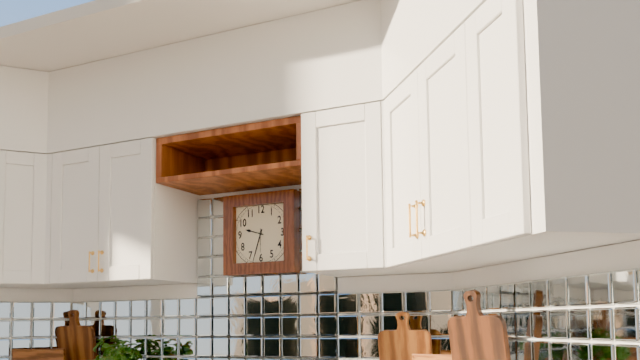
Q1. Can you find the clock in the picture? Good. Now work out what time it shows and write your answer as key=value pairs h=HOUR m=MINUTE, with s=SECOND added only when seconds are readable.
h=9 m=33
